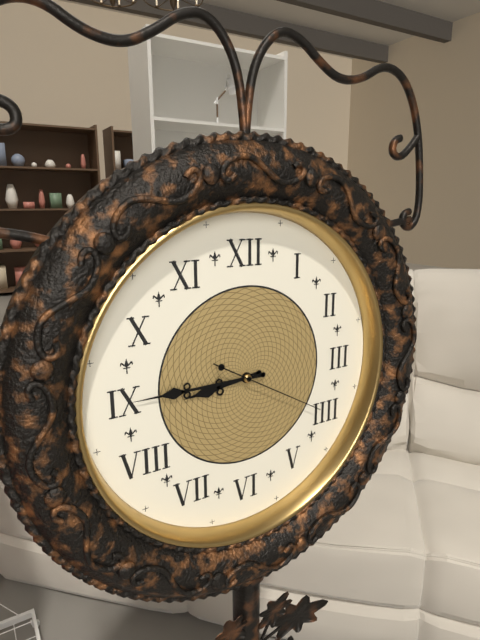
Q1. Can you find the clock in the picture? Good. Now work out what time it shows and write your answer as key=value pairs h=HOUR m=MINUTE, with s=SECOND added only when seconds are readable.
h=8 m=45 s=20
